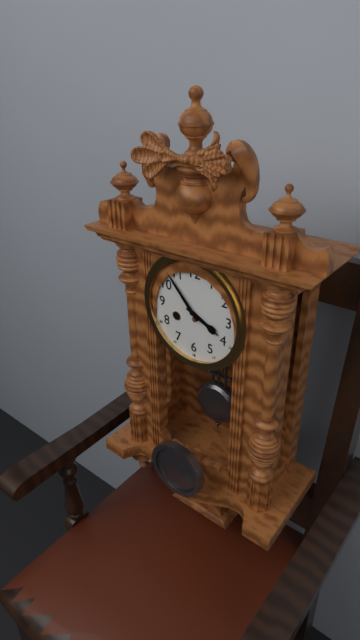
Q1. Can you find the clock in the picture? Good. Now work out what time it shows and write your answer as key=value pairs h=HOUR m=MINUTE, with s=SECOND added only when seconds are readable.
h=3 m=53
